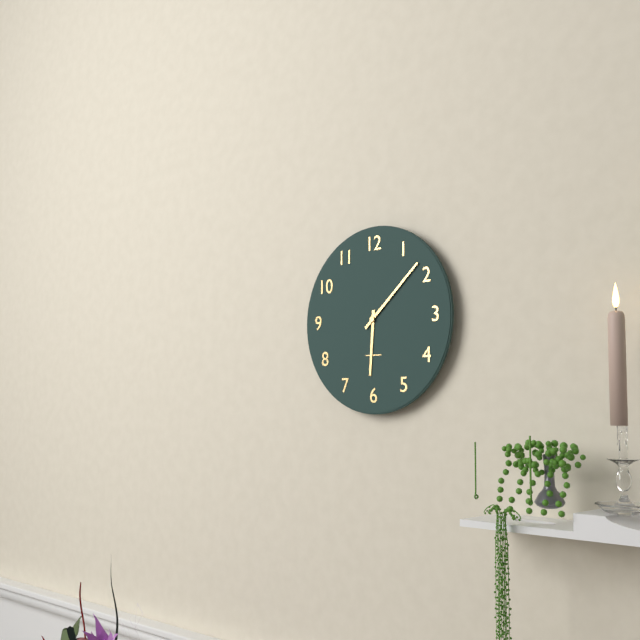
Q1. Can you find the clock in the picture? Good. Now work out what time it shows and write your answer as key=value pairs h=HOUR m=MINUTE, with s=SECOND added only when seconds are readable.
h=6 m=8
